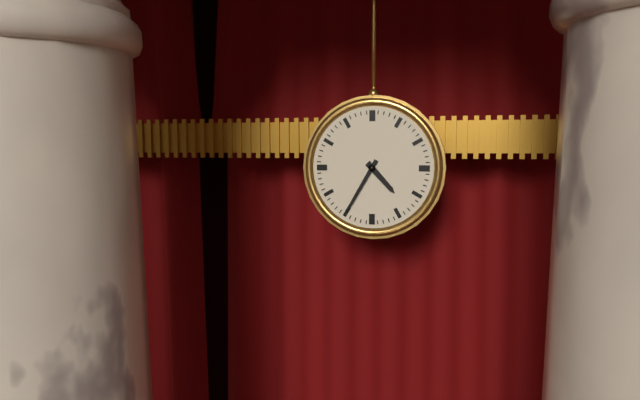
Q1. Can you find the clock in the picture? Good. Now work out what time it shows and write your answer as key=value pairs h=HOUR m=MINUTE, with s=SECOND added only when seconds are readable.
h=4 m=35
